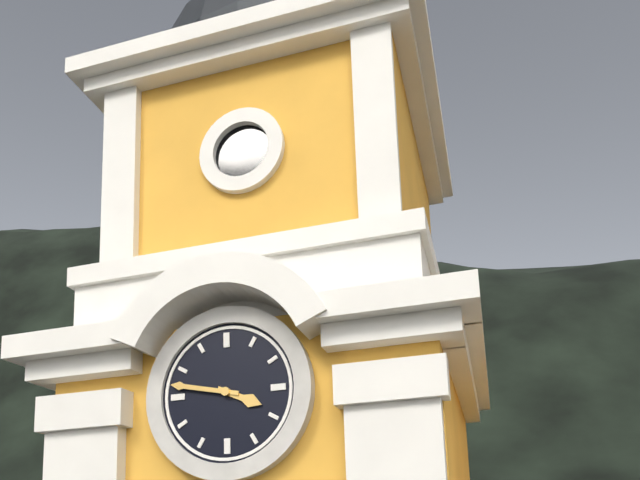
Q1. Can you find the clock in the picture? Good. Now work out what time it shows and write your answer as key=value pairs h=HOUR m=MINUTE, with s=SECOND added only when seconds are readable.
h=3 m=47
